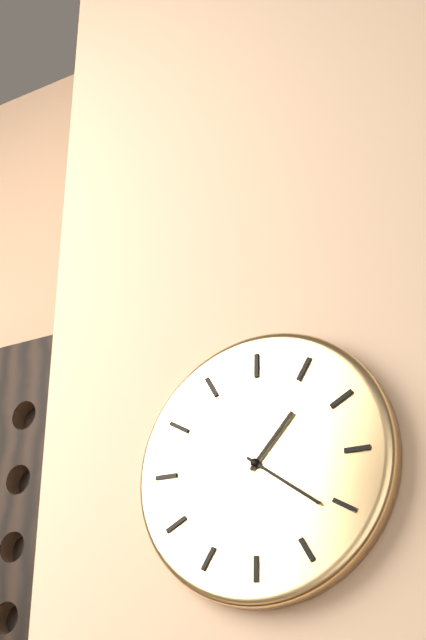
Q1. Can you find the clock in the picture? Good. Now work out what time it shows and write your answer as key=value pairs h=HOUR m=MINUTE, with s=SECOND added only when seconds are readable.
h=1 m=21
